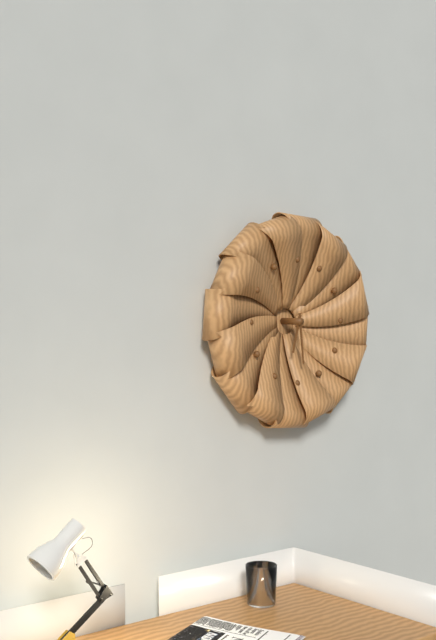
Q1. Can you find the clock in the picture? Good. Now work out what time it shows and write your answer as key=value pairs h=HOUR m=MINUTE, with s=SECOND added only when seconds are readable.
h=6 m=29
